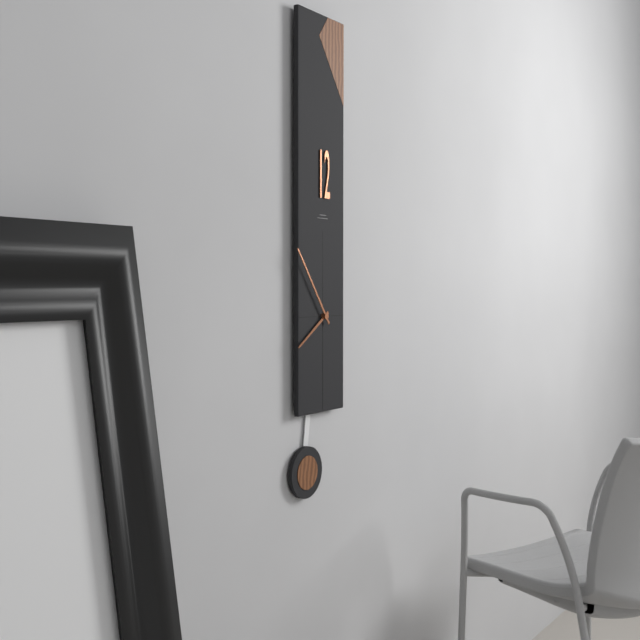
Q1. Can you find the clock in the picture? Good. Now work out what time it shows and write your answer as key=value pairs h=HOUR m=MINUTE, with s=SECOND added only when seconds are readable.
h=7 m=54
